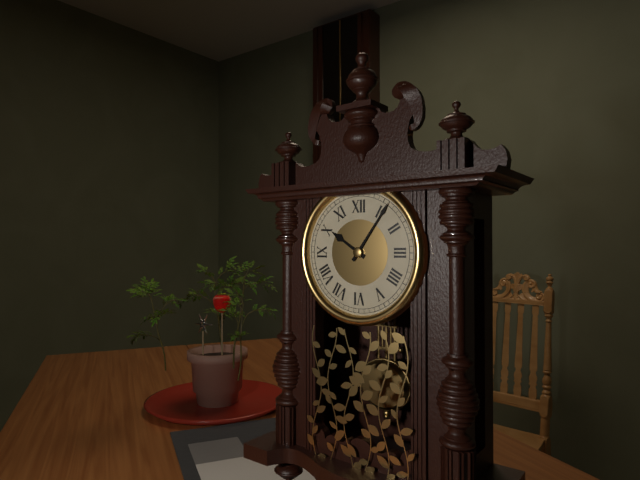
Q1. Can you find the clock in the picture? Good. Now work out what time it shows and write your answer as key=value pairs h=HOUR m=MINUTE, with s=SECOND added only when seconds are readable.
h=10 m=6
